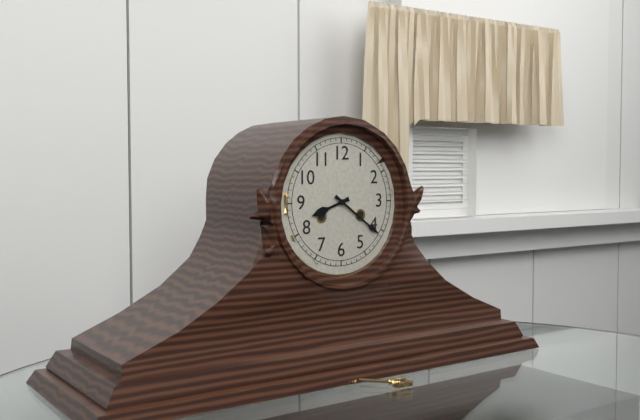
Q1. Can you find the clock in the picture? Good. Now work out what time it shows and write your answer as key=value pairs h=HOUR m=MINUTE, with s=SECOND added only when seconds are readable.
h=8 m=21
